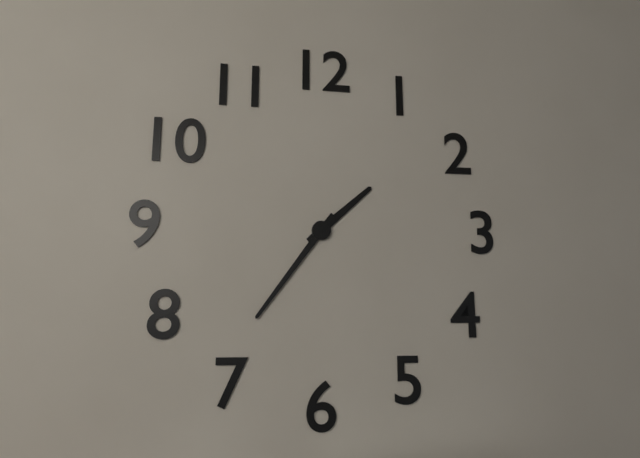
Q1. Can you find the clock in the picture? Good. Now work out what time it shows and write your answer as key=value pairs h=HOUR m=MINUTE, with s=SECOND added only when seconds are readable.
h=1 m=36
